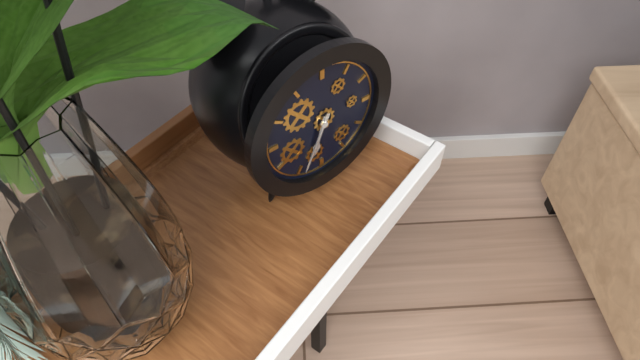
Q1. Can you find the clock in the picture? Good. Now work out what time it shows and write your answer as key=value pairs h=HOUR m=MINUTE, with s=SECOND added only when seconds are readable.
h=6 m=34
